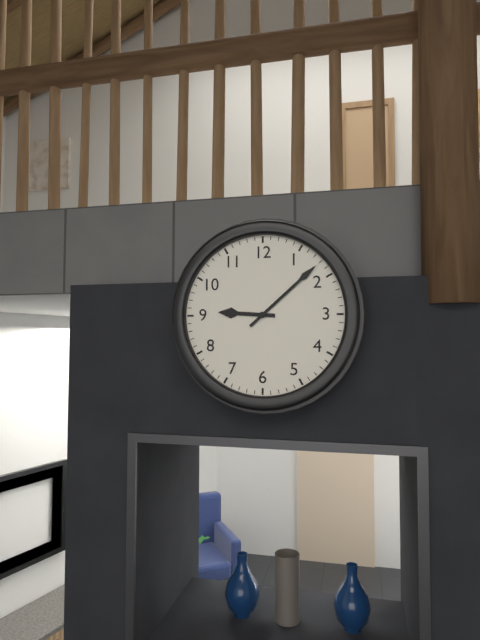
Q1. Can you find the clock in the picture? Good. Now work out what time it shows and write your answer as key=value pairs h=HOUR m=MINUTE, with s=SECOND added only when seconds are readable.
h=9 m=8
